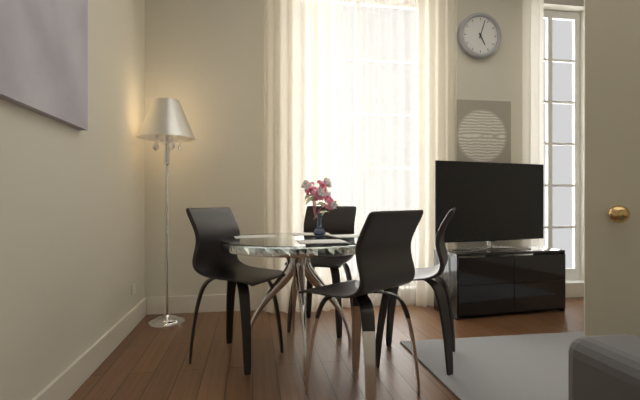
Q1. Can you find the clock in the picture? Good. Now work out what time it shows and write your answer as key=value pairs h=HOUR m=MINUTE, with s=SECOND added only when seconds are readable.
h=5 m=3
